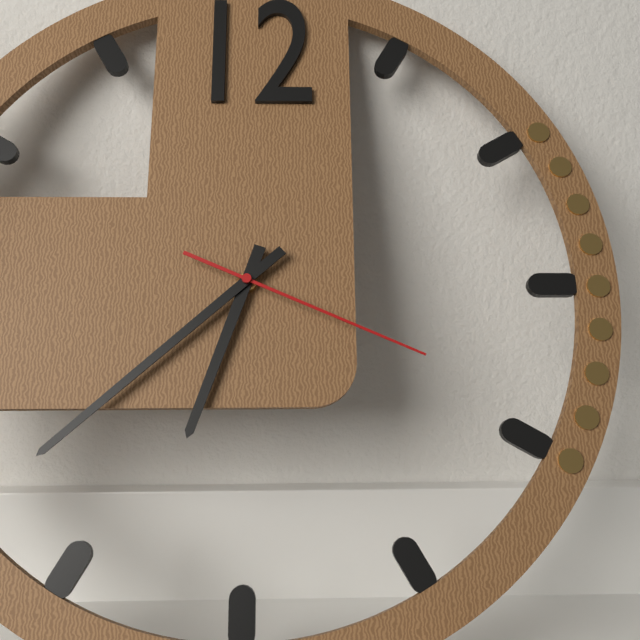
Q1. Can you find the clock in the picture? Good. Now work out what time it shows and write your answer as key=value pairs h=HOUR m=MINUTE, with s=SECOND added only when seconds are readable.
h=6 m=38 s=19
